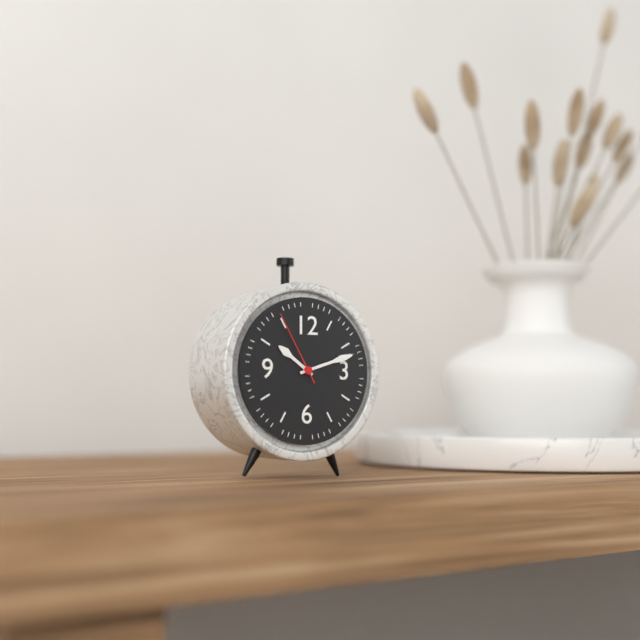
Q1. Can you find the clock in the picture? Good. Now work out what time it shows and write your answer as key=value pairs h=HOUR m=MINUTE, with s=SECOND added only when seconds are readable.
h=10 m=12 s=55
